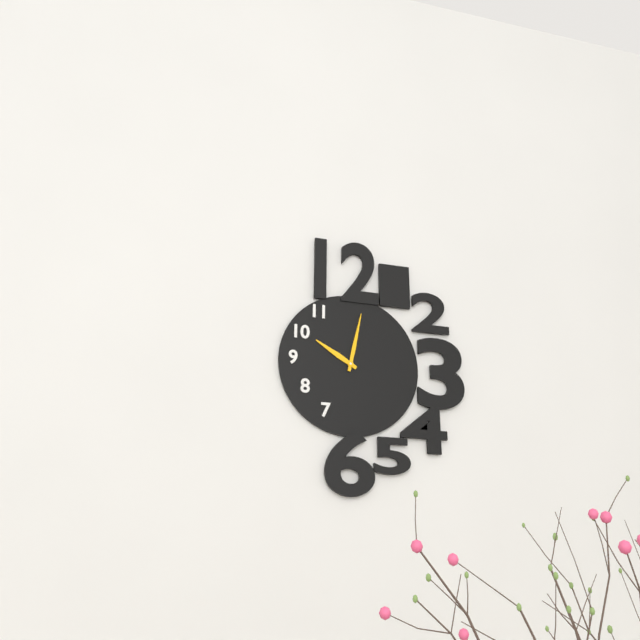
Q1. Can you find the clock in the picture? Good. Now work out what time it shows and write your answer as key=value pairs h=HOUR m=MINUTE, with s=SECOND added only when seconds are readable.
h=10 m=2
